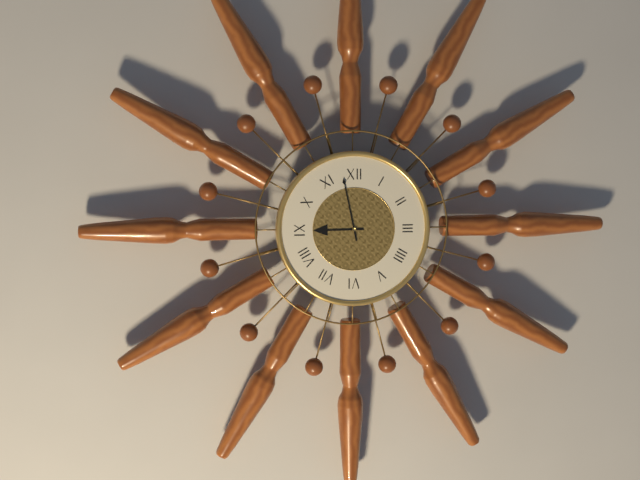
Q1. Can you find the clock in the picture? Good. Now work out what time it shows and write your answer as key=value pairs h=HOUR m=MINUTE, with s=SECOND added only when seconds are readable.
h=8 m=58
